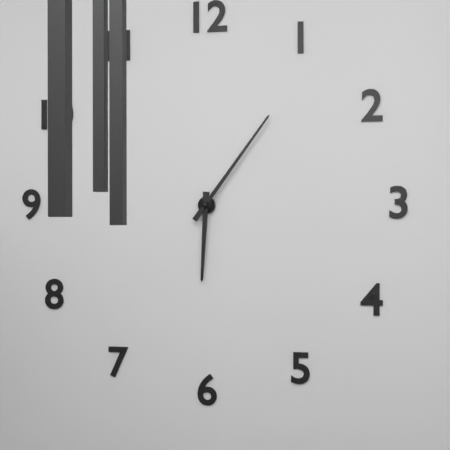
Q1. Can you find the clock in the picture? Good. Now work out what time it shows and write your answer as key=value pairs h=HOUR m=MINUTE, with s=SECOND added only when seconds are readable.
h=6 m=6
